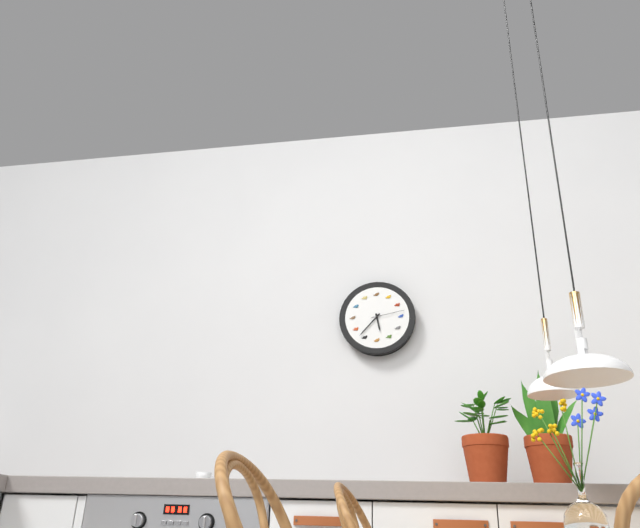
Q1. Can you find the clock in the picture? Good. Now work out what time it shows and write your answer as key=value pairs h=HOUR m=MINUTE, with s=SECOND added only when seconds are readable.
h=5 m=37
